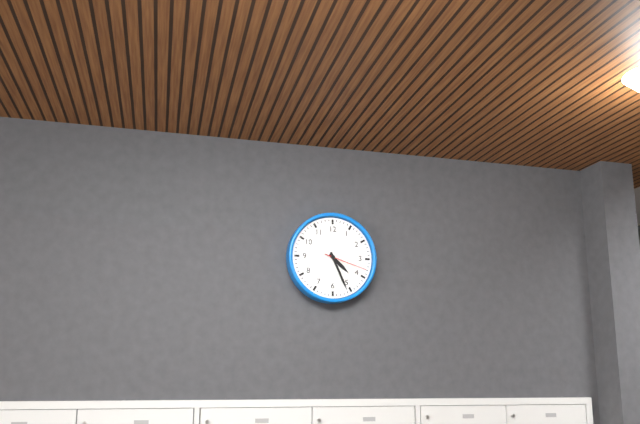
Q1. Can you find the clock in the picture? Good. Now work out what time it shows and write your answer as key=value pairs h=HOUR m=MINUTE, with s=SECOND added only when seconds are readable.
h=4 m=26
